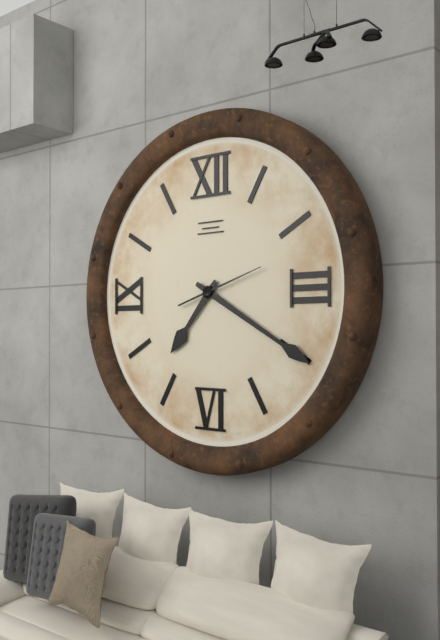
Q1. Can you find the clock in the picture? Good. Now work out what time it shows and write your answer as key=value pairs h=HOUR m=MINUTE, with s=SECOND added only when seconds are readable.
h=7 m=20 s=12
